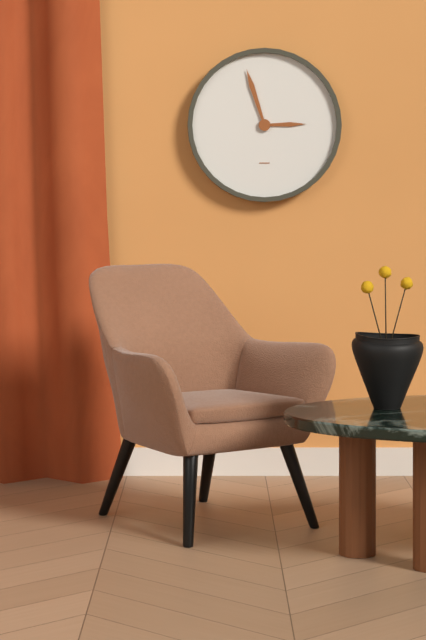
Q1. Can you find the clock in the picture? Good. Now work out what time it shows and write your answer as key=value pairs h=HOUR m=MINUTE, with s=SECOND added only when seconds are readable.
h=2 m=57
